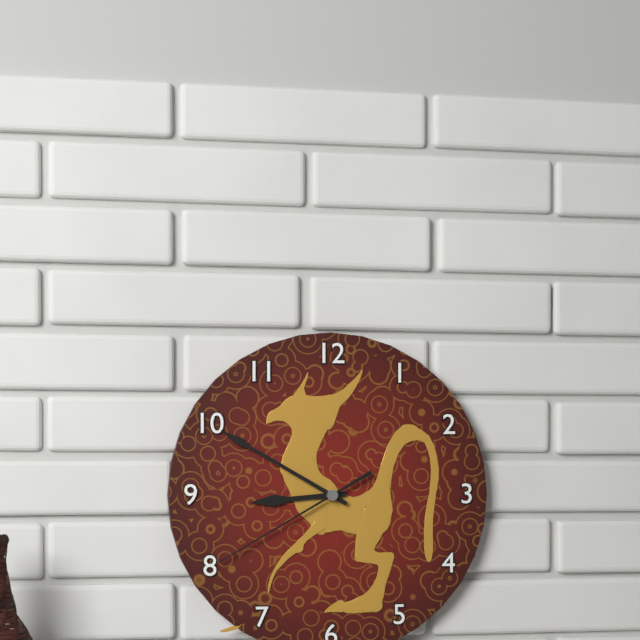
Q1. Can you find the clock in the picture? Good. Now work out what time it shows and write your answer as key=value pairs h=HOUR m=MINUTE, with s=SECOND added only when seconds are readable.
h=8 m=50 s=40
